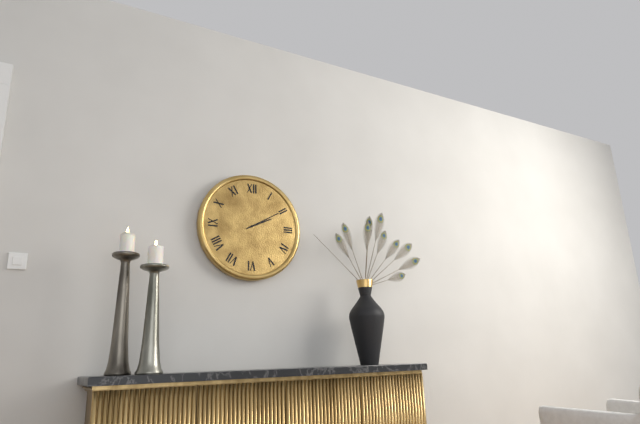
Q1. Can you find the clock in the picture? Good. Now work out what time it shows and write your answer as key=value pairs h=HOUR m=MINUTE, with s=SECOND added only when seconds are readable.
h=2 m=10
